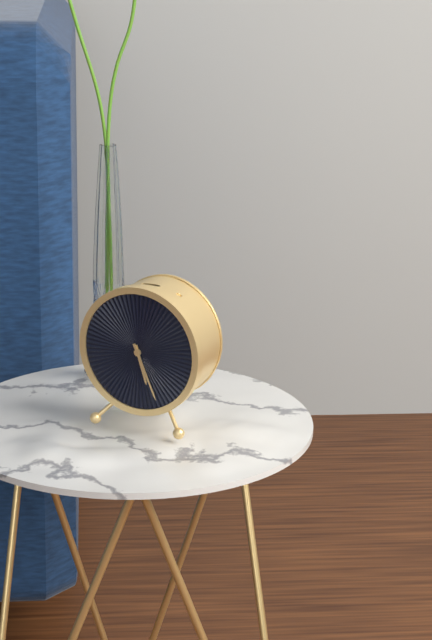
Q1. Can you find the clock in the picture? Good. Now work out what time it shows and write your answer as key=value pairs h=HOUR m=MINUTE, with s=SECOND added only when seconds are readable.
h=5 m=26
